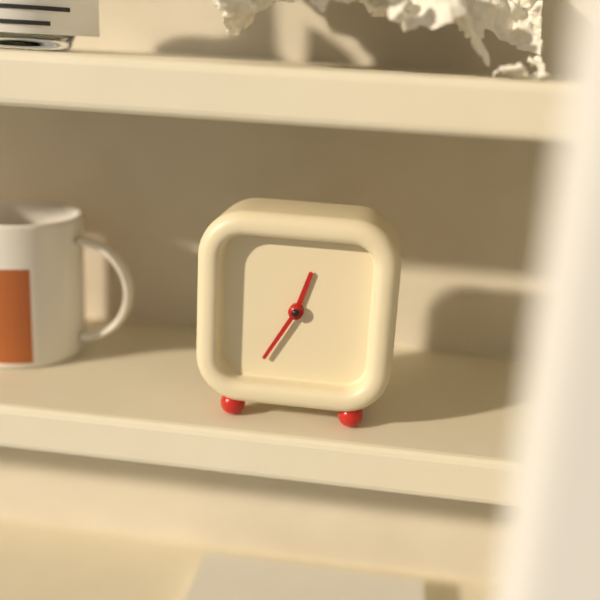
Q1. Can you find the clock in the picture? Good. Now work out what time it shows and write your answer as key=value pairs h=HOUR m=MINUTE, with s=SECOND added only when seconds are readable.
h=12 m=35
